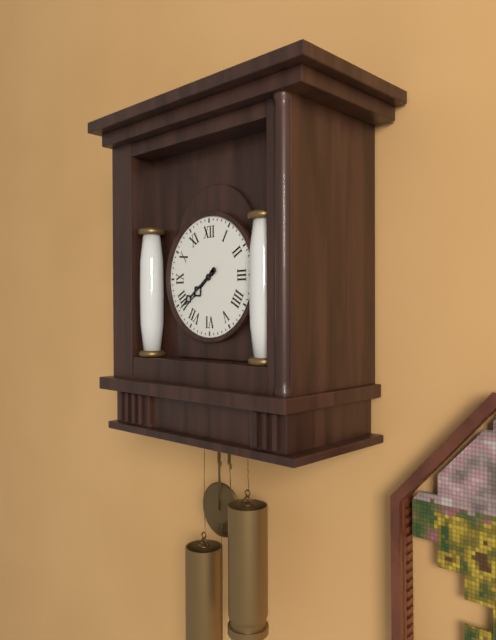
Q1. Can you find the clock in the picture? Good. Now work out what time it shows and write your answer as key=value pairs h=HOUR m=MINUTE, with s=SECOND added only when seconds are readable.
h=7 m=39
